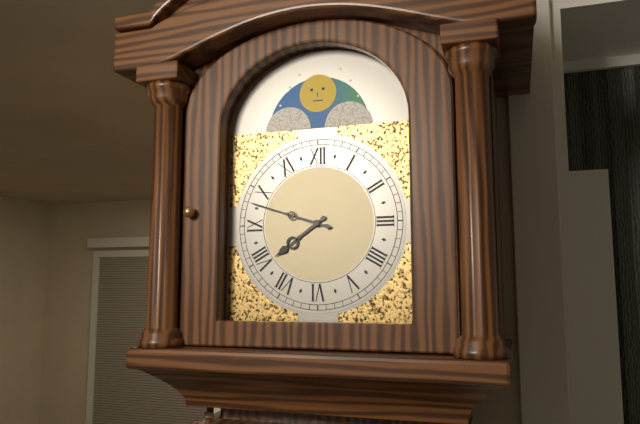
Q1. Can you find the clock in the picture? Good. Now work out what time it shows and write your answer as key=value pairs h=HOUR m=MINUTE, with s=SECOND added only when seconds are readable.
h=7 m=48
